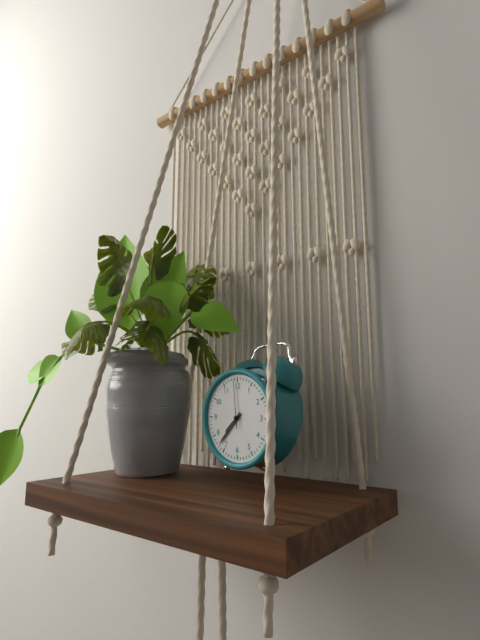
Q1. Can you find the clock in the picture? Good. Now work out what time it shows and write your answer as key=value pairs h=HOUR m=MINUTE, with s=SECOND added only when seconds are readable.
h=7 m=37
